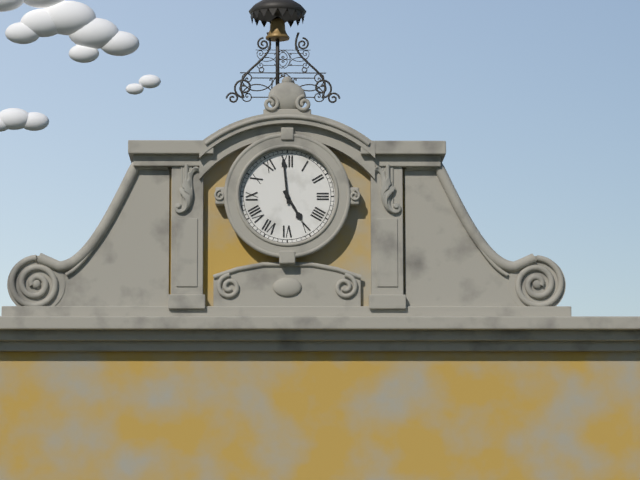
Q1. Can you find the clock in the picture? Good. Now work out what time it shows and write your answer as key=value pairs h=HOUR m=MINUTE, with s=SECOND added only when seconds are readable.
h=4 m=59
